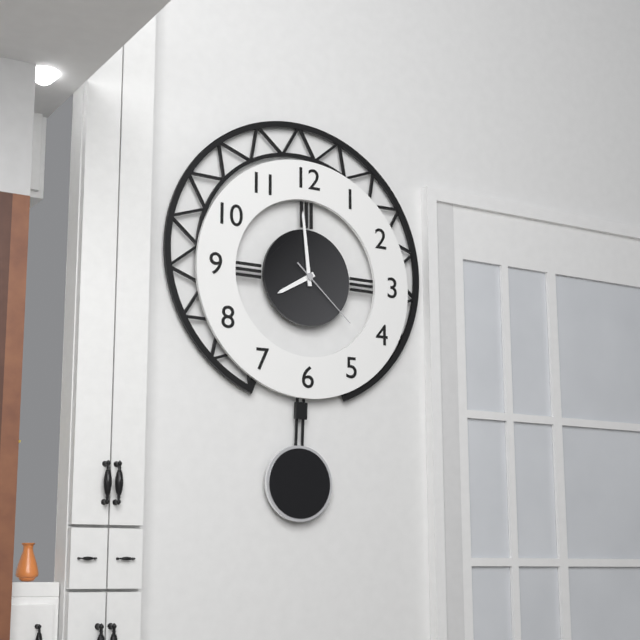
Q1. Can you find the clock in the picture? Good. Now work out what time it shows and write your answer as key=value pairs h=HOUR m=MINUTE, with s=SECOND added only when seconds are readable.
h=7 m=59 s=22
